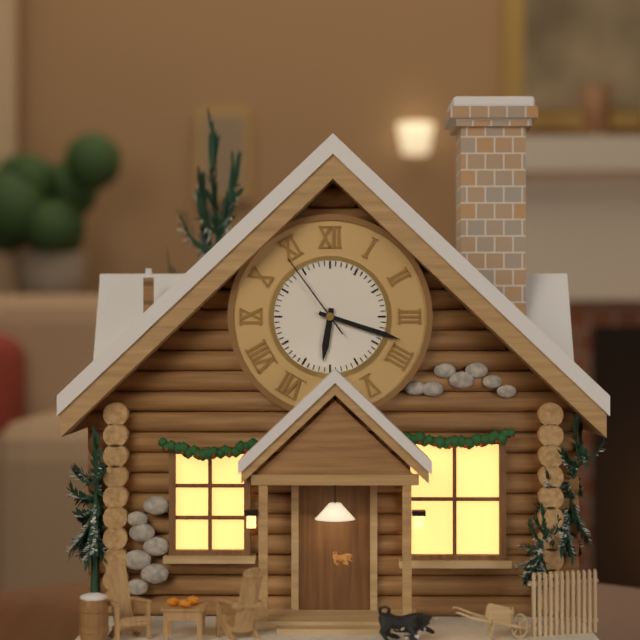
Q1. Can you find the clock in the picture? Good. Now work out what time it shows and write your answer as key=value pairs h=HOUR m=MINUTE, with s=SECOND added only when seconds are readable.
h=6 m=18 s=54
